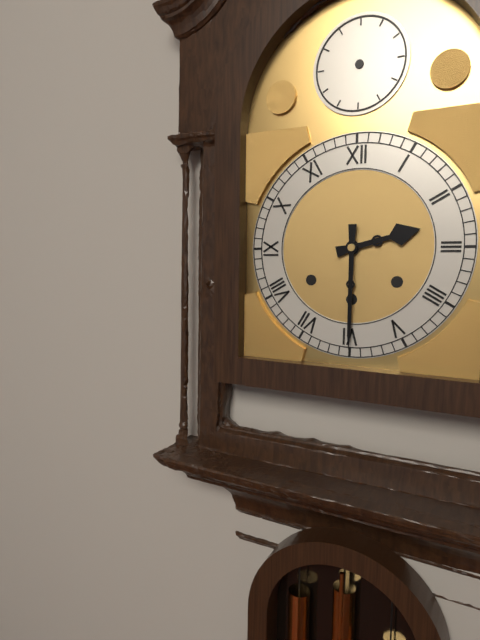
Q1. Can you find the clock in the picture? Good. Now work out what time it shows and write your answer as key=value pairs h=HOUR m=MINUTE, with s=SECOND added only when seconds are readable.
h=2 m=30
